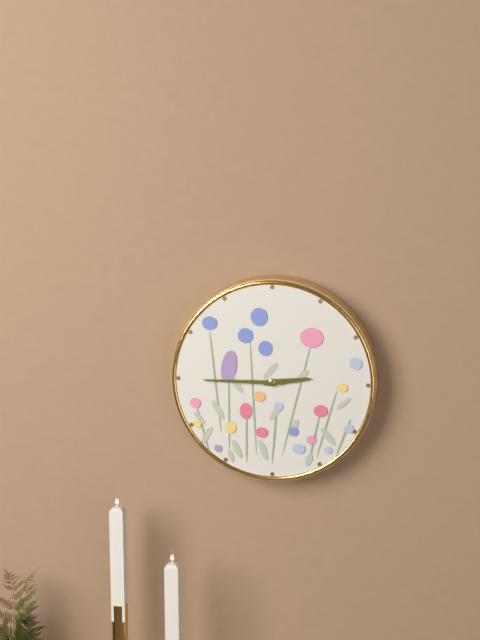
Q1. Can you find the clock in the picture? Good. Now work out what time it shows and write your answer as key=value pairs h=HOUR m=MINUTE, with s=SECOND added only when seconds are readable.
h=2 m=45
